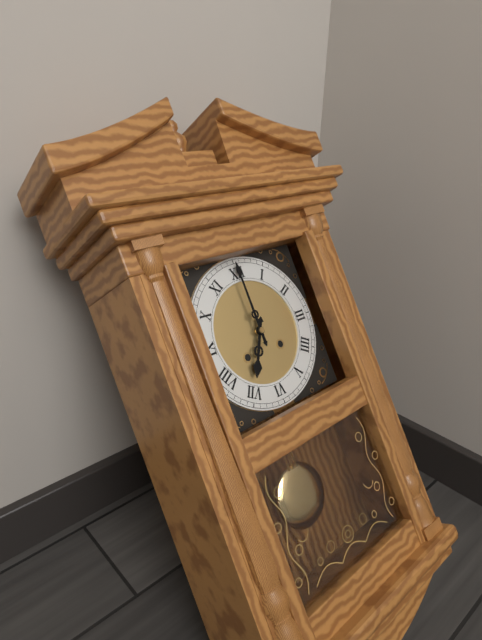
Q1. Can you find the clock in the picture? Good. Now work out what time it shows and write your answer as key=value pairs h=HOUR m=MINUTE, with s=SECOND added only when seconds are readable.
h=7 m=0
